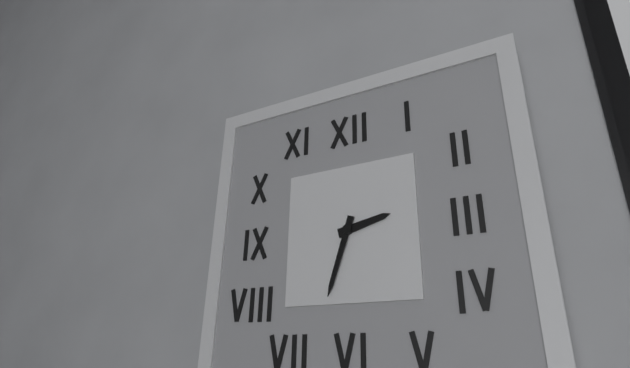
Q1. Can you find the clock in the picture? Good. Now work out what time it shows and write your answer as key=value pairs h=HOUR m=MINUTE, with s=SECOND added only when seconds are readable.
h=2 m=33
